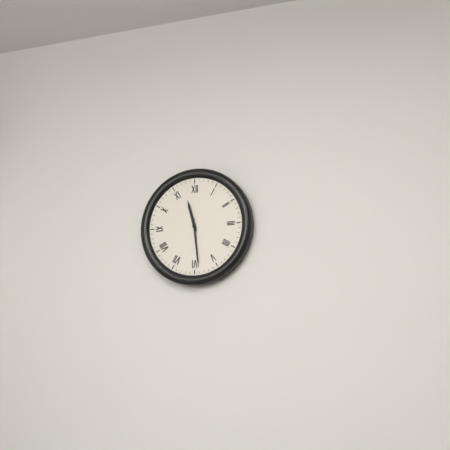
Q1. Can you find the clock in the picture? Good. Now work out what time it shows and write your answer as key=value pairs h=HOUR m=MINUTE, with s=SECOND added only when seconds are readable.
h=11 m=29
